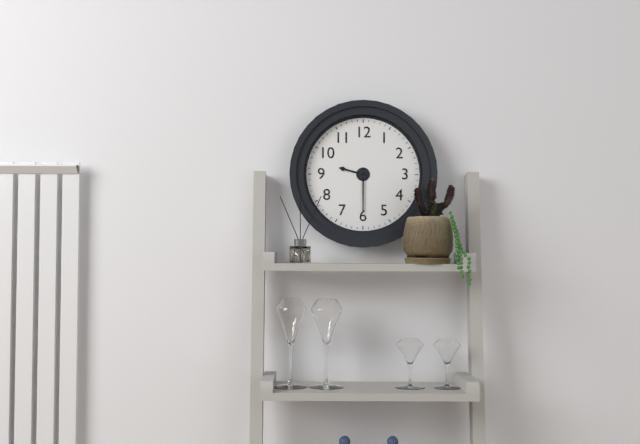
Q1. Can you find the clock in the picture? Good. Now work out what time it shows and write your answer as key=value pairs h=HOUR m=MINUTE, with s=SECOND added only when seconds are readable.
h=9 m=30
